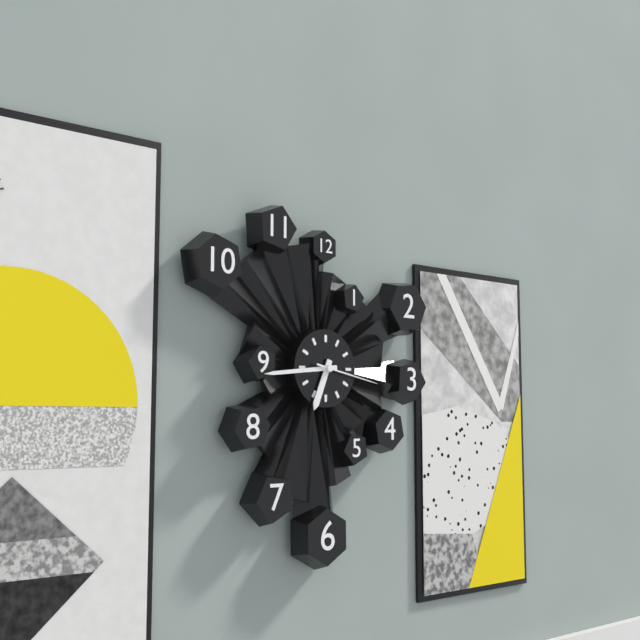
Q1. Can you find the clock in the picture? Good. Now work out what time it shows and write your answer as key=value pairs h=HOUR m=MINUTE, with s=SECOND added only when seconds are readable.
h=6 m=44 s=17
